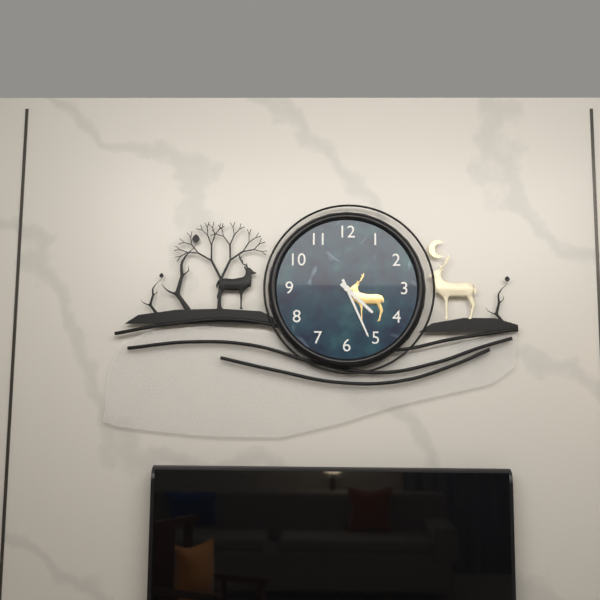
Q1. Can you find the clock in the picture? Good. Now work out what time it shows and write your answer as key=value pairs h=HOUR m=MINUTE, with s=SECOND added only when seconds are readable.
h=4 m=26
